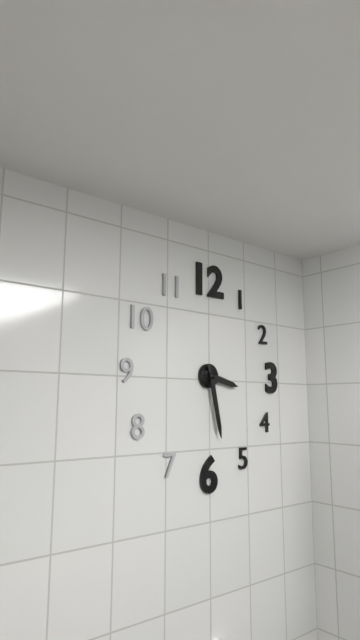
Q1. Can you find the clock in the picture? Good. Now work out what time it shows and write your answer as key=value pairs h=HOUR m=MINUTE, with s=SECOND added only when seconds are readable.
h=3 m=28
